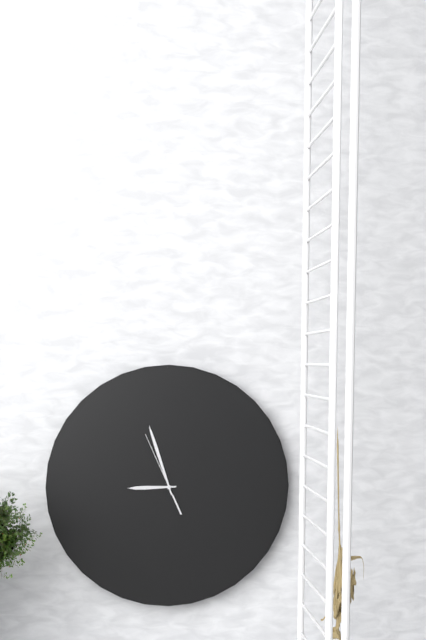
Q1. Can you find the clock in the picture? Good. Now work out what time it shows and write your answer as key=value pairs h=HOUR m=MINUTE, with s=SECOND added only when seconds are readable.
h=8 m=57 s=56
